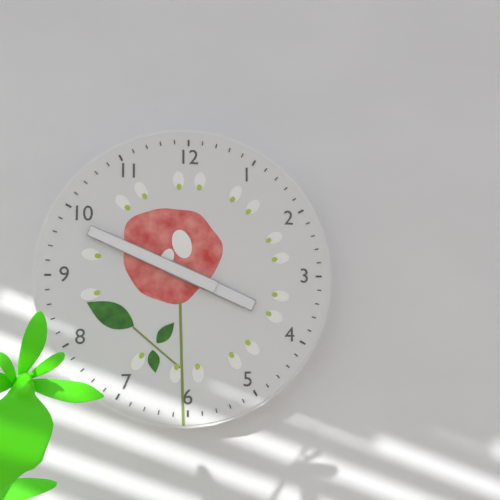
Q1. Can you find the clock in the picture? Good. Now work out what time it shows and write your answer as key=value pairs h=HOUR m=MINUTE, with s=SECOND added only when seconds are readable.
h=3 m=49
